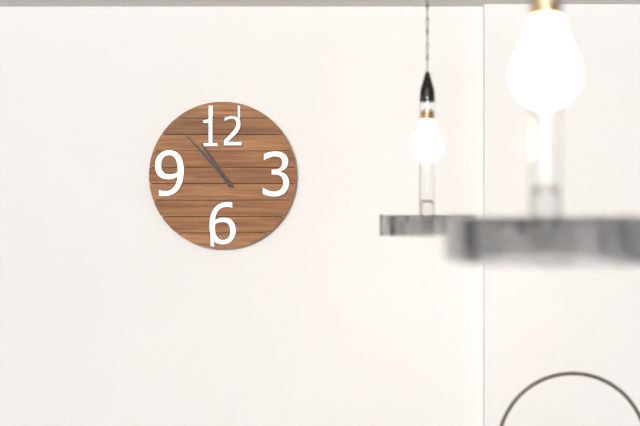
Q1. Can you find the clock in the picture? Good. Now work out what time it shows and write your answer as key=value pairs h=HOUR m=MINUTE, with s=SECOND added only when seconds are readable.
h=10 m=53
